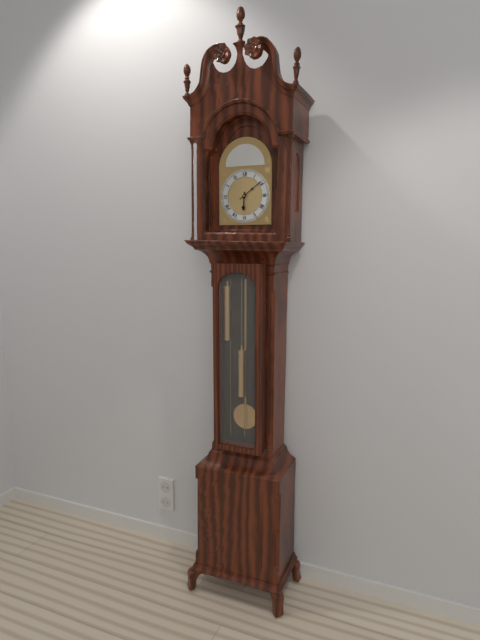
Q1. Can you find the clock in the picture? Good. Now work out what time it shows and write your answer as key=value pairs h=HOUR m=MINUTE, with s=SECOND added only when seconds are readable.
h=6 m=9
